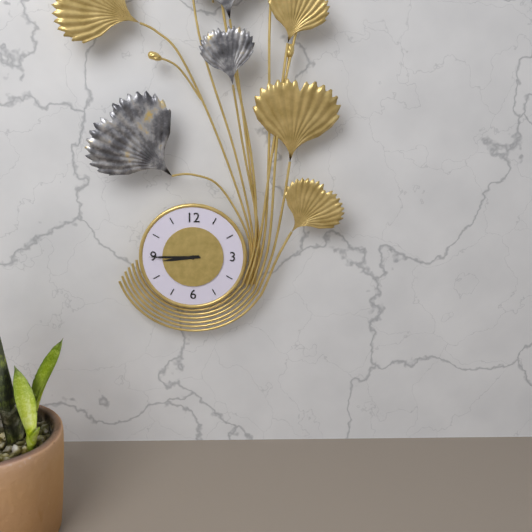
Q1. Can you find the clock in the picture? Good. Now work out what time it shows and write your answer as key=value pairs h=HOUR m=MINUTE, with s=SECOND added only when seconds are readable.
h=8 m=45
